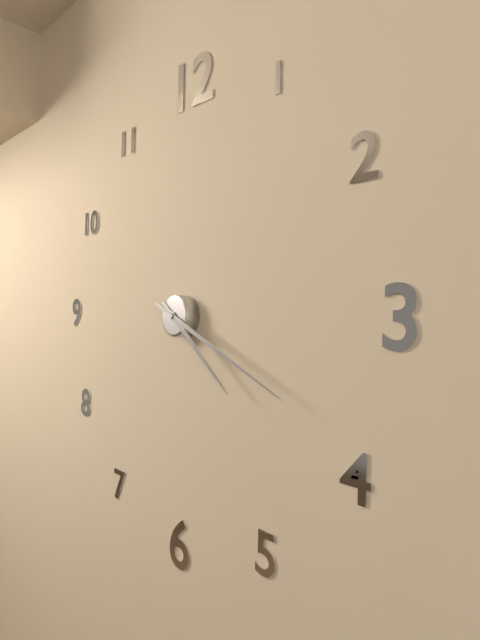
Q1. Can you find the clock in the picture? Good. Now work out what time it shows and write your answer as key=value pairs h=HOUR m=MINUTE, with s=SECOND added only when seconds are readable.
h=4 m=19
